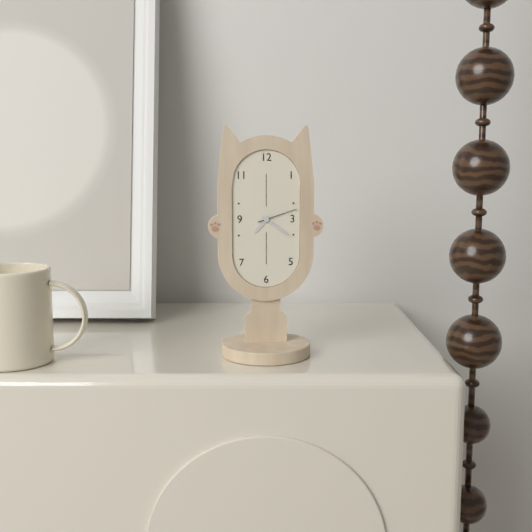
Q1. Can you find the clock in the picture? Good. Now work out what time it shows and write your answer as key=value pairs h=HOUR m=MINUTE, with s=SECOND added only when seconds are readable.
h=7 m=21
